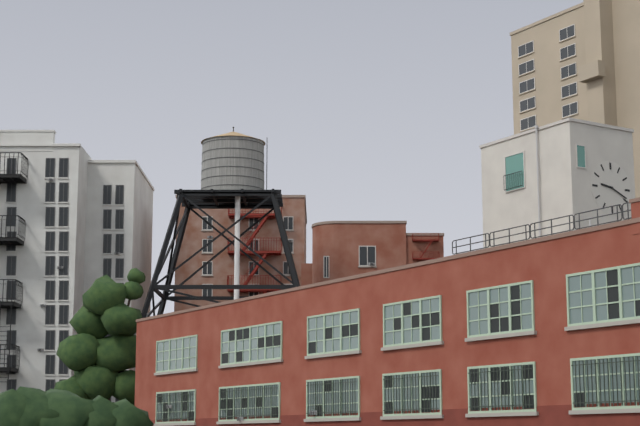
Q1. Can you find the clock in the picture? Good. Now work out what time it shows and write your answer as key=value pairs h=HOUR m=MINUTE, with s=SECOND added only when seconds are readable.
h=9 m=19
